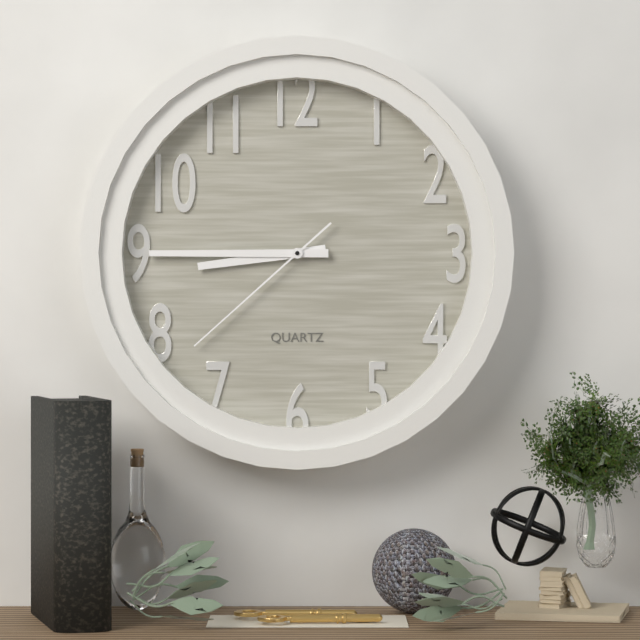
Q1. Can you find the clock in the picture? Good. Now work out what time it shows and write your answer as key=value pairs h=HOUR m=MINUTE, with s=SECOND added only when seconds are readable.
h=8 m=45 s=38
